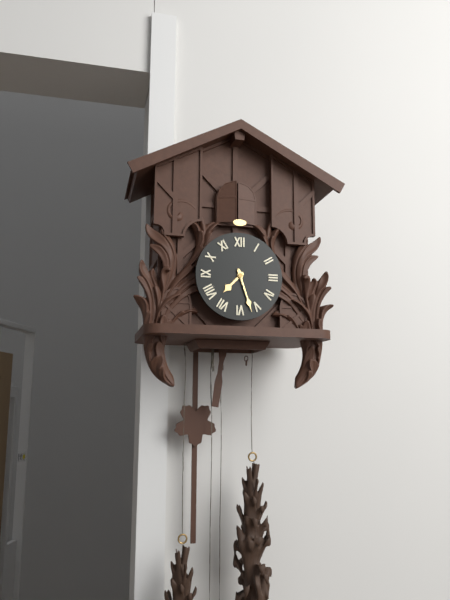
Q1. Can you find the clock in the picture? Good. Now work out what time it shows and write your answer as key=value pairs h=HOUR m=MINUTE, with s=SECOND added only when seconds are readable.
h=7 m=27
